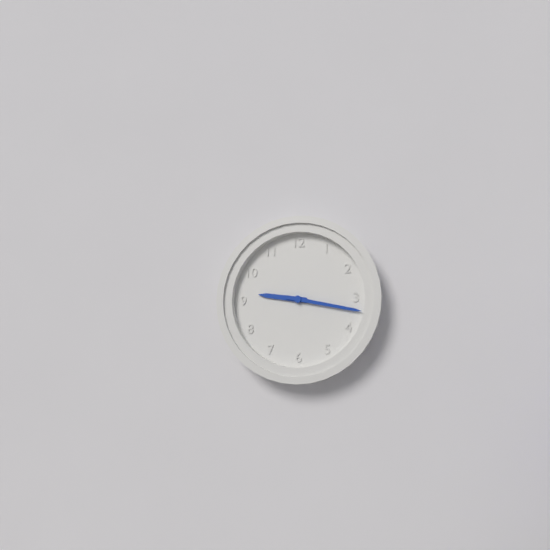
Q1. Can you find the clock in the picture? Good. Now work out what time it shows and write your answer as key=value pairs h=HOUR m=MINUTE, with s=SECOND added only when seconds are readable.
h=9 m=17
